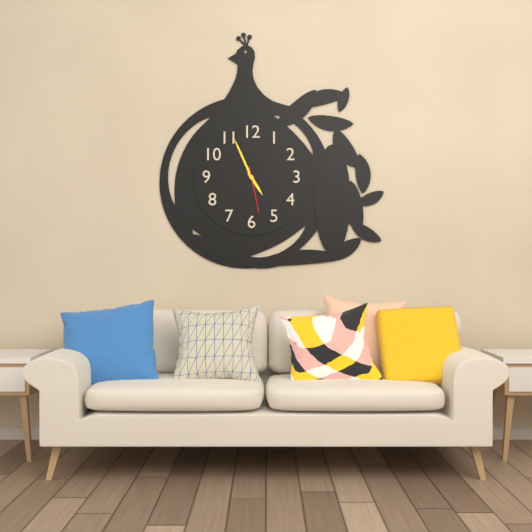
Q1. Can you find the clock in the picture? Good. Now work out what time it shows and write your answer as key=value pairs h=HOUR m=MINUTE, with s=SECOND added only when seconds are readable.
h=4 m=56
